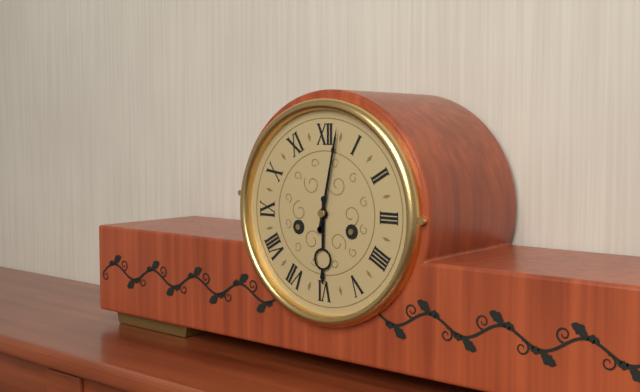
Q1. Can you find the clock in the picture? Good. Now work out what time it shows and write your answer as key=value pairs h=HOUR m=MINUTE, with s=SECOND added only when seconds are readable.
h=6 m=2
